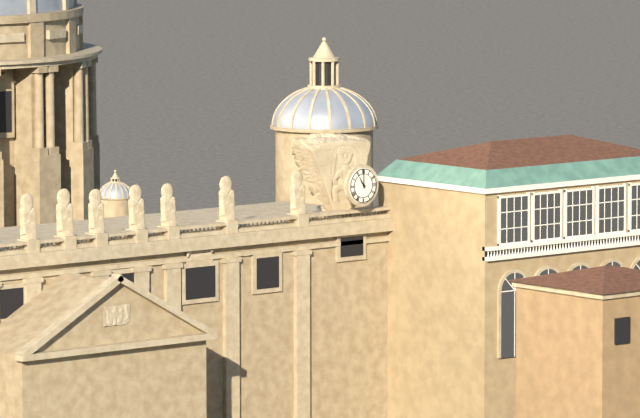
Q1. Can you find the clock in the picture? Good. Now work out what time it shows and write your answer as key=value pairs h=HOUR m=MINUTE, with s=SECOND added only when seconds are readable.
h=11 m=0
